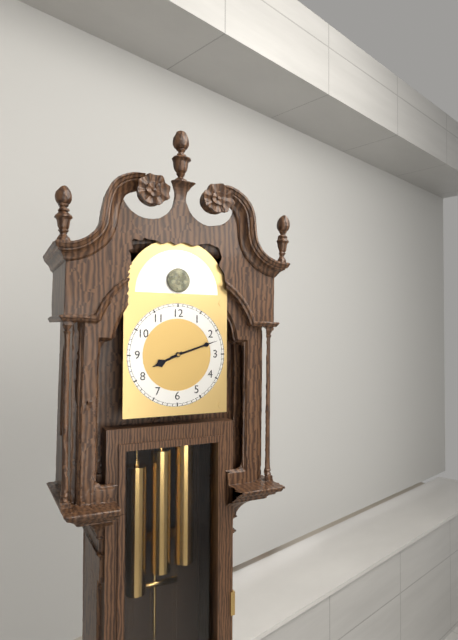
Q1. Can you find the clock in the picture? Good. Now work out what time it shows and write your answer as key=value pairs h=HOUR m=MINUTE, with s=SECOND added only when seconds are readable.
h=8 m=12
